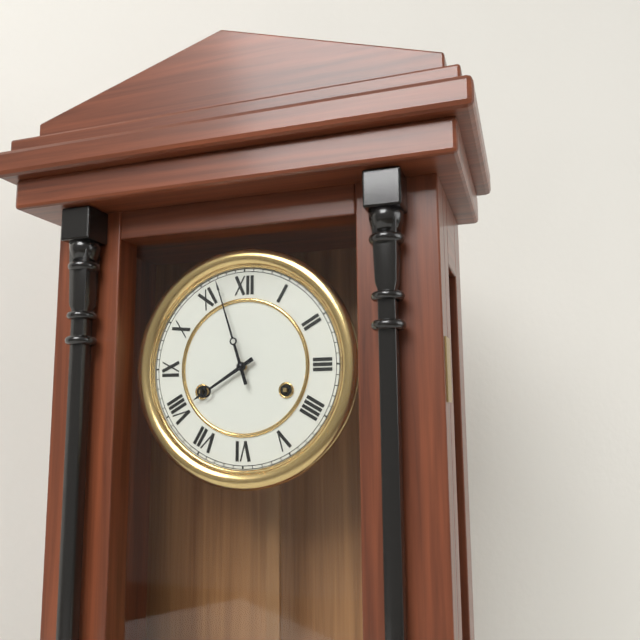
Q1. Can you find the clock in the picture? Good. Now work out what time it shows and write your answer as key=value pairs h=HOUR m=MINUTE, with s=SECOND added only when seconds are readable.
h=7 m=57
